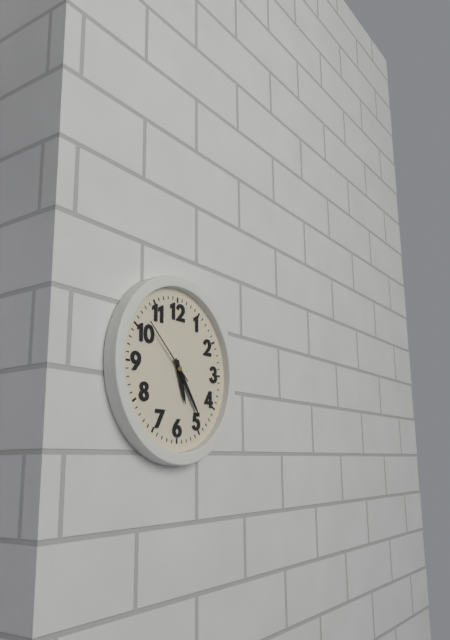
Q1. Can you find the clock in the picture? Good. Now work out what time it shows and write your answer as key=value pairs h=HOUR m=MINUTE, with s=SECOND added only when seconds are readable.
h=5 m=24 s=52
